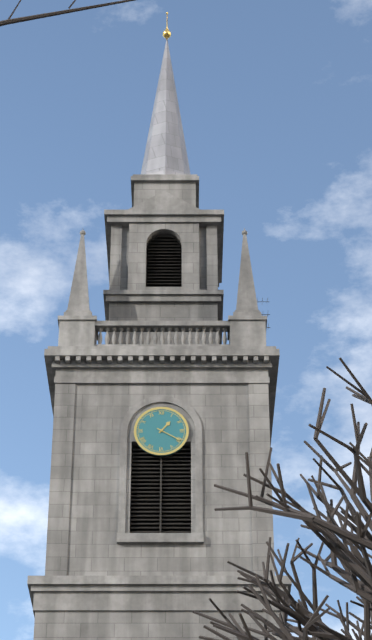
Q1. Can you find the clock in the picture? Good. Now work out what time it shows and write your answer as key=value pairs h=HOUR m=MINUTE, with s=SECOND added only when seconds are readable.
h=1 m=20
